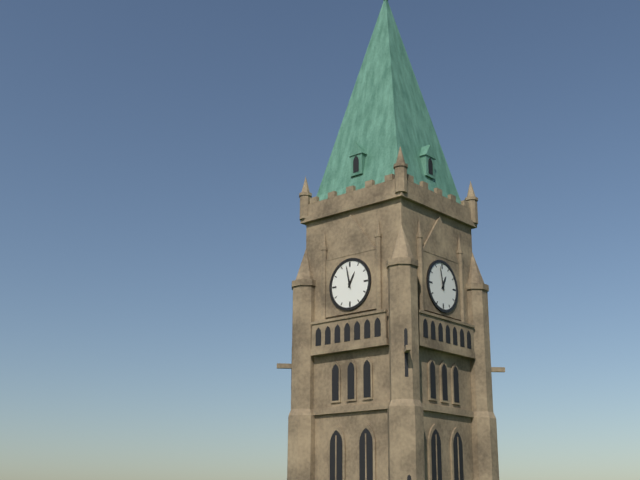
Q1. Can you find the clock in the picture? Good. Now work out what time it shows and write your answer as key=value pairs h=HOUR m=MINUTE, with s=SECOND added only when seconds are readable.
h=12 m=58
